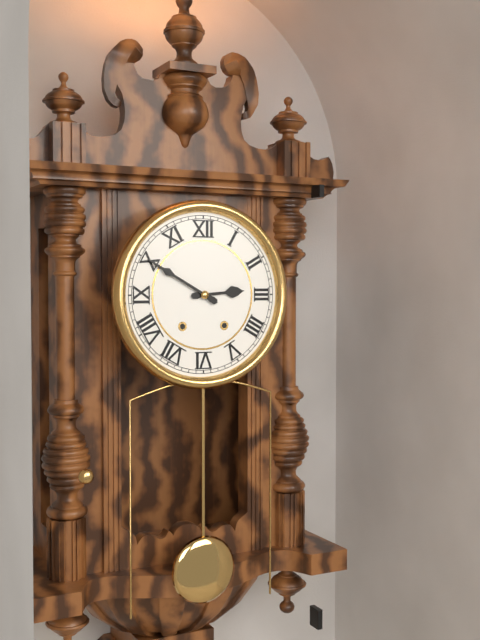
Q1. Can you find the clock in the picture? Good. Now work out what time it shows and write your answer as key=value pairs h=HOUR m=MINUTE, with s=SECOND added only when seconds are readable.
h=2 m=50
